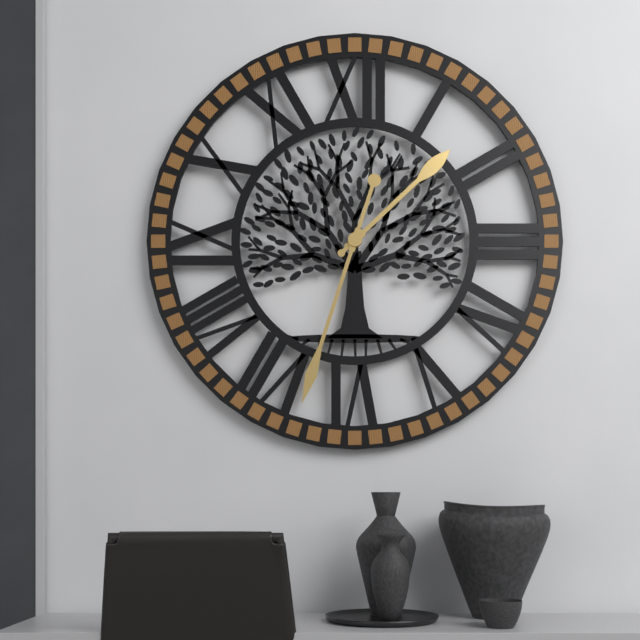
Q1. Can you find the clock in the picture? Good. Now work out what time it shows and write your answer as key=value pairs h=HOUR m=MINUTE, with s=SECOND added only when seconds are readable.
h=1 m=33
